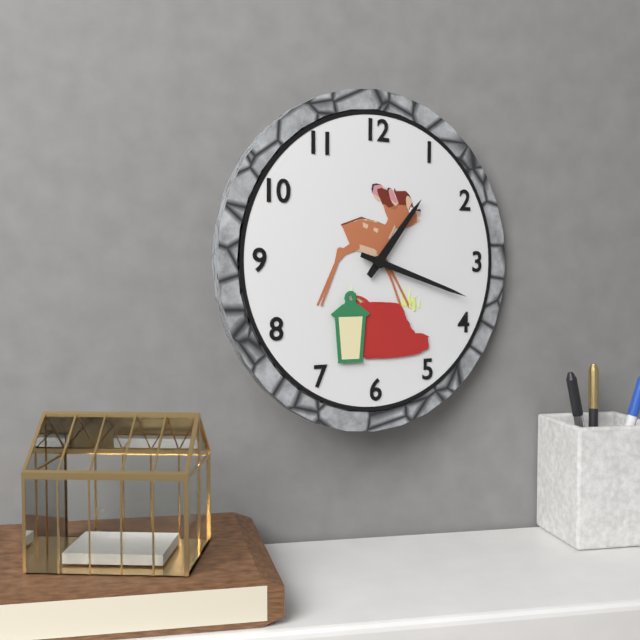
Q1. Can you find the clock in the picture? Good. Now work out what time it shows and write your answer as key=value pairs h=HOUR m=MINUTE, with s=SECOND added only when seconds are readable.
h=1 m=18
